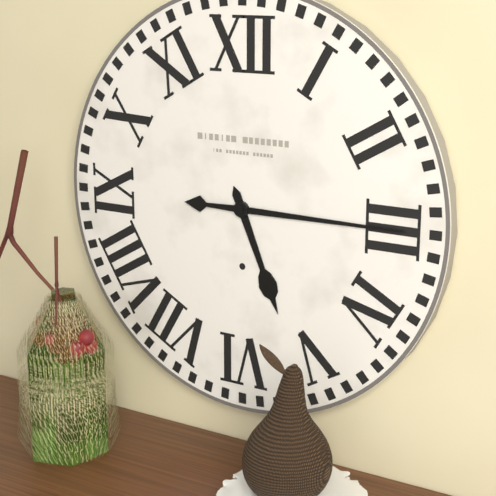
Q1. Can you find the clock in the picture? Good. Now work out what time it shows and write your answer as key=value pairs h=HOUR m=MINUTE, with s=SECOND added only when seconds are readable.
h=5 m=15
